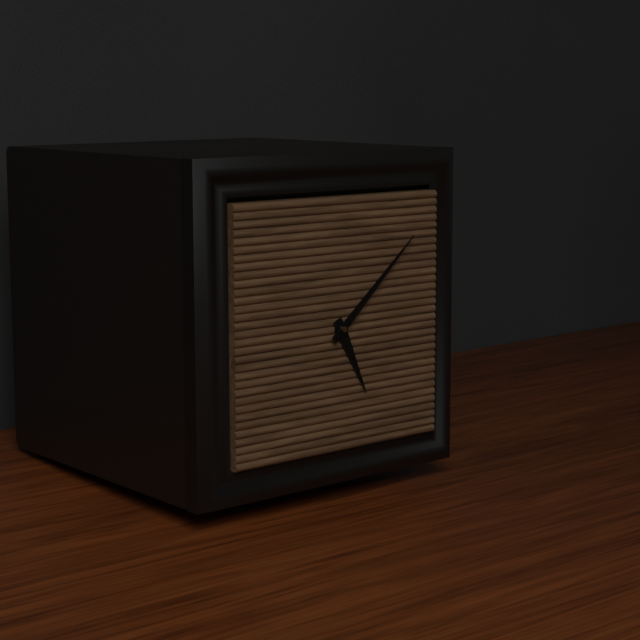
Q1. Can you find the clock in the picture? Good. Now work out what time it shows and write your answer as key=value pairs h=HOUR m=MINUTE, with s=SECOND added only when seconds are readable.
h=5 m=8
